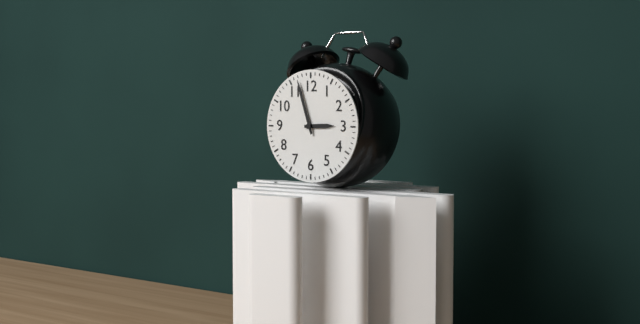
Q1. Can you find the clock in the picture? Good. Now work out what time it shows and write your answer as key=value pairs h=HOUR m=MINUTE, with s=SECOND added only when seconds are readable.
h=2 m=57
